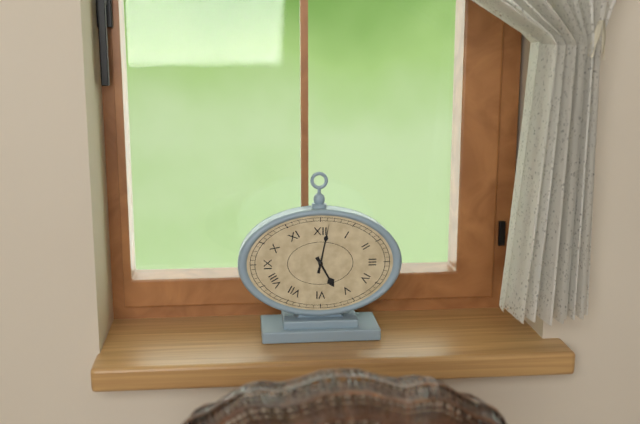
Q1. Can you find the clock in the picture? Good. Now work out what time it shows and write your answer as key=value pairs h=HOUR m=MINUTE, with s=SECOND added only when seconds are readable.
h=5 m=2
